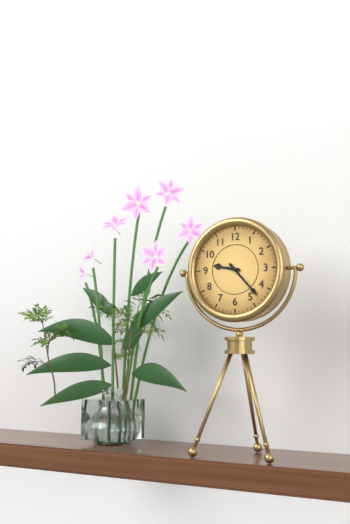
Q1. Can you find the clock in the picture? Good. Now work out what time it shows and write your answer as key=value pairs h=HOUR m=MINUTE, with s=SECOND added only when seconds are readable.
h=9 m=23
